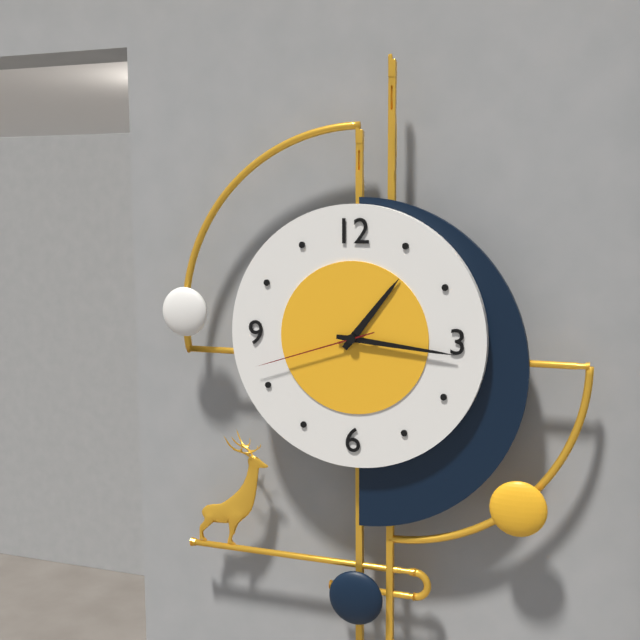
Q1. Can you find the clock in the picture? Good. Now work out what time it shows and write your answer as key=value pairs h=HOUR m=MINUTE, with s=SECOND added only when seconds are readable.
h=1 m=16 s=42
